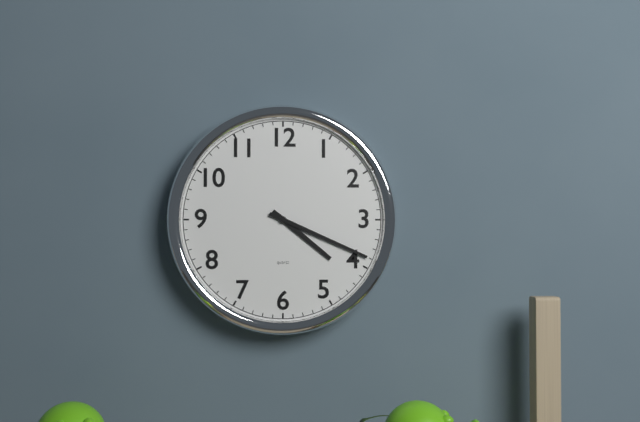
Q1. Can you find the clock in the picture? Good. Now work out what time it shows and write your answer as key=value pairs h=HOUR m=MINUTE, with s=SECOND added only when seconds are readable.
h=4 m=19
